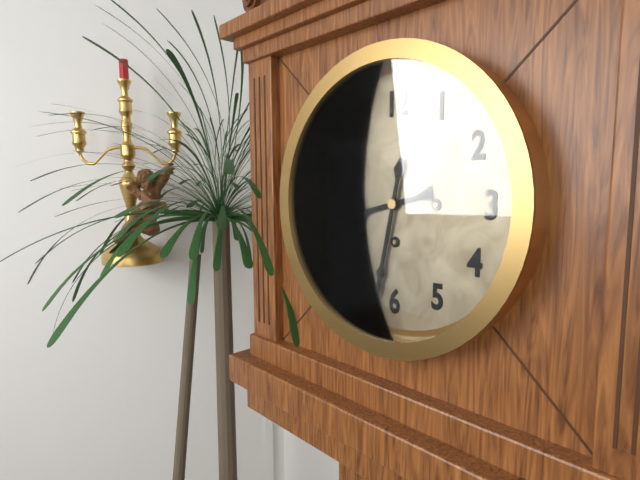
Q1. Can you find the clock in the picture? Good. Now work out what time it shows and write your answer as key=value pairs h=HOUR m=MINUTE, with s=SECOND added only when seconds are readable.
h=8 m=32
